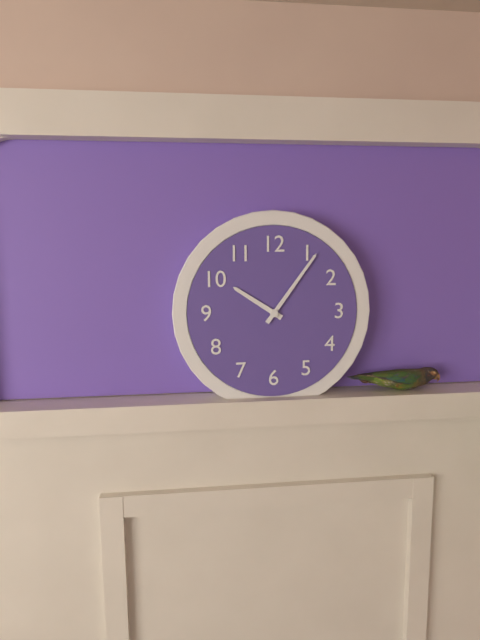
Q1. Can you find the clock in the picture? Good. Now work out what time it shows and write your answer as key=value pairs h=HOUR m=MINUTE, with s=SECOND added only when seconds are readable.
h=10 m=6
